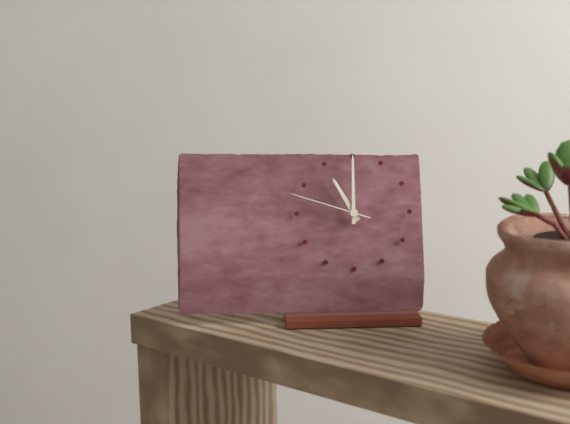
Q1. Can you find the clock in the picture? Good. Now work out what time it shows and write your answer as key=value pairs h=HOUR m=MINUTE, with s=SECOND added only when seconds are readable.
h=11 m=0 s=48
